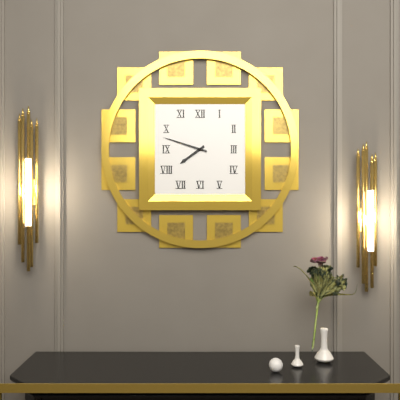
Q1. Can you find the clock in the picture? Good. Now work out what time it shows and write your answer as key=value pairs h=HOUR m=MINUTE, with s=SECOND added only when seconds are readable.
h=7 m=48
